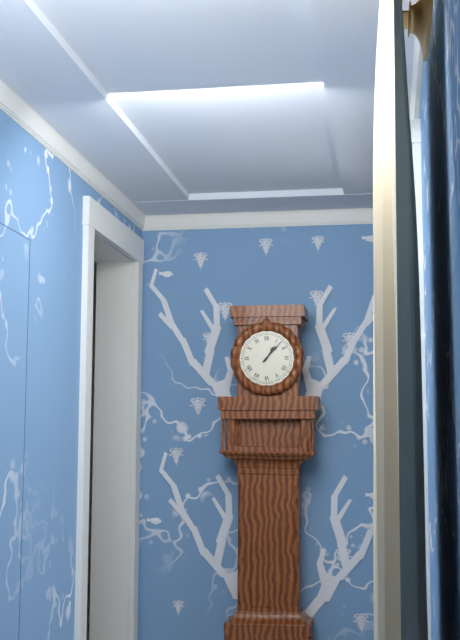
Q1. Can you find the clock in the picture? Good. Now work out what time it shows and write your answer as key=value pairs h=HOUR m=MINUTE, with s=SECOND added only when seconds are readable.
h=1 m=7
